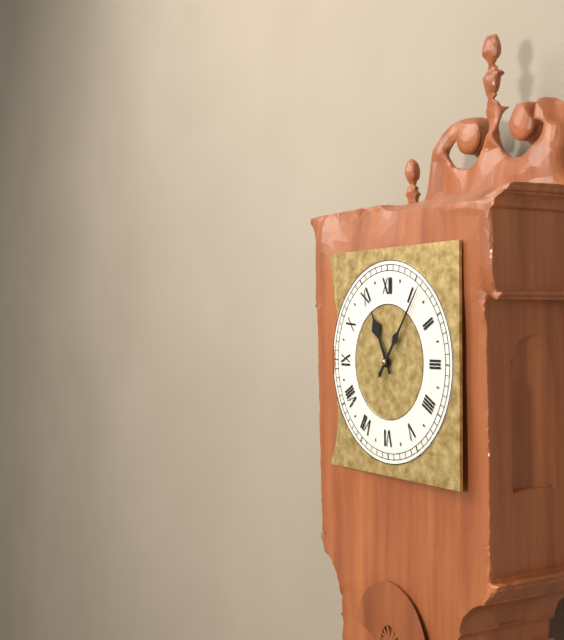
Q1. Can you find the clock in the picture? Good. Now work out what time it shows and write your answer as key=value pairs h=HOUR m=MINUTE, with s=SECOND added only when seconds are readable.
h=11 m=6
